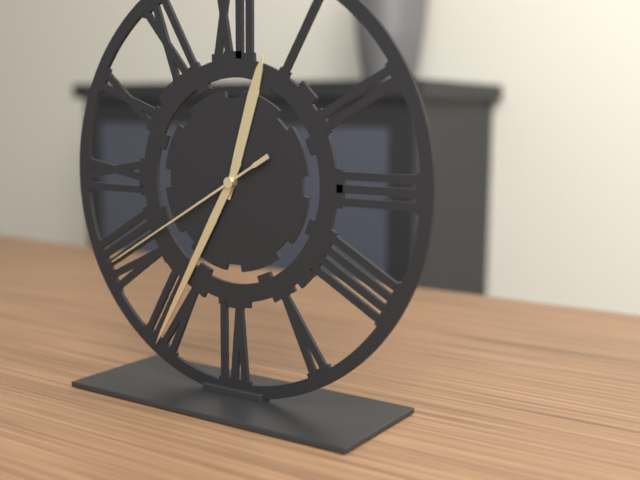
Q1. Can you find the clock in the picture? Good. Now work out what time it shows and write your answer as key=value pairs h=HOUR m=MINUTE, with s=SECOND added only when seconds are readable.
h=12 m=35 s=40
